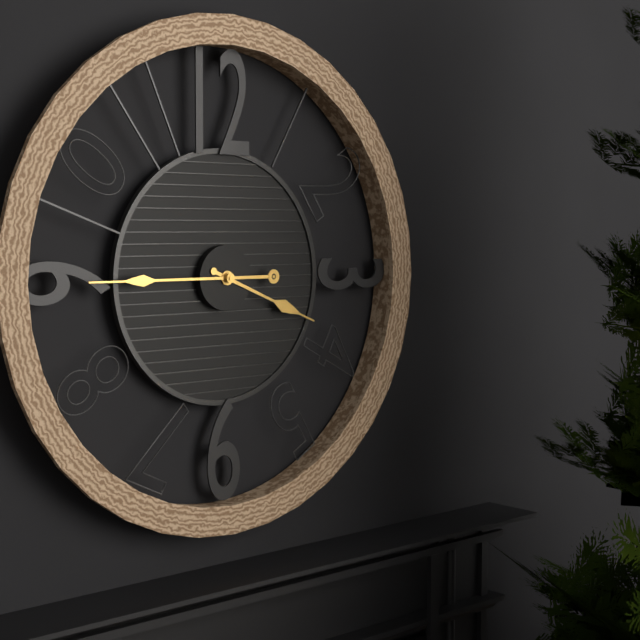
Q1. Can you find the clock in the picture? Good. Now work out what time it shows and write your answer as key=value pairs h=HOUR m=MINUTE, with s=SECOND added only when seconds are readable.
h=3 m=45
